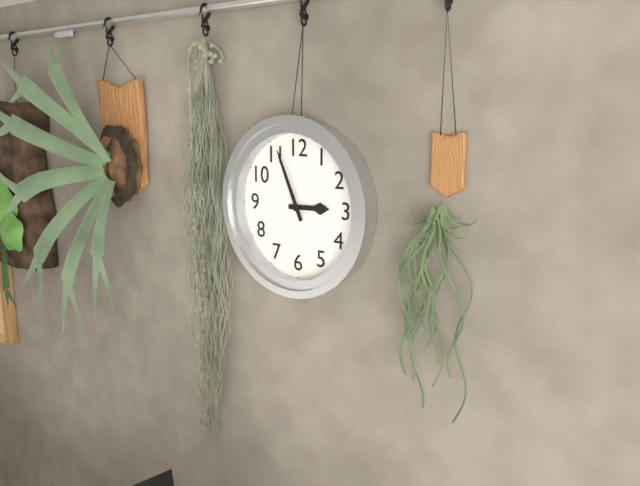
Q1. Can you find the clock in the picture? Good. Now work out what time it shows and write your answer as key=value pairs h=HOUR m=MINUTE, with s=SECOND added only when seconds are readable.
h=2 m=56
